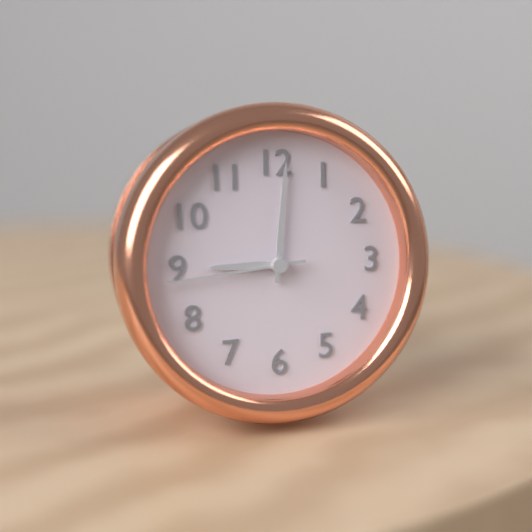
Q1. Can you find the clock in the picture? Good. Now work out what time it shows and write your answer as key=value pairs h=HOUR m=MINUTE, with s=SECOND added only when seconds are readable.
h=9 m=1 s=44
